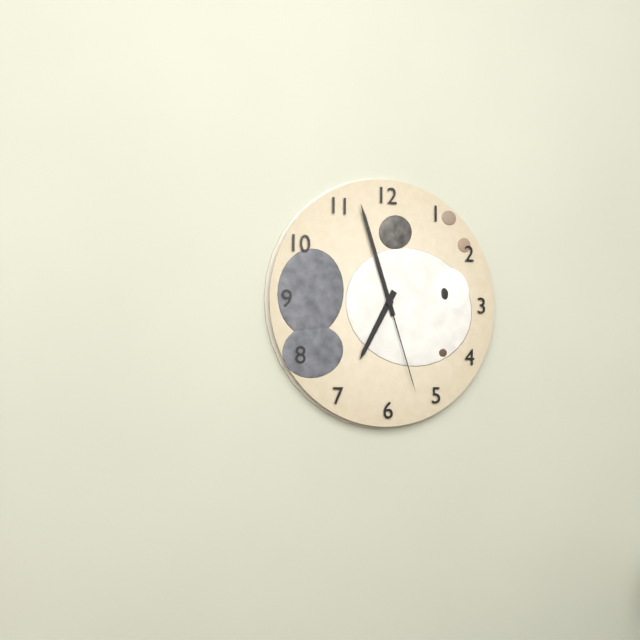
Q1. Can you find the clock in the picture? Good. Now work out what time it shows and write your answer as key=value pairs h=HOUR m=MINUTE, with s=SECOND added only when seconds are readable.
h=6 m=57 s=27
